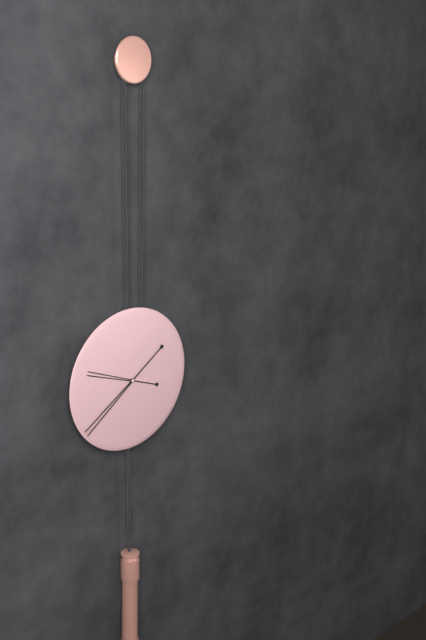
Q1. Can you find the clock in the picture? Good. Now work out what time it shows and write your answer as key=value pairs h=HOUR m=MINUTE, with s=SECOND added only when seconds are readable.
h=9 m=39
